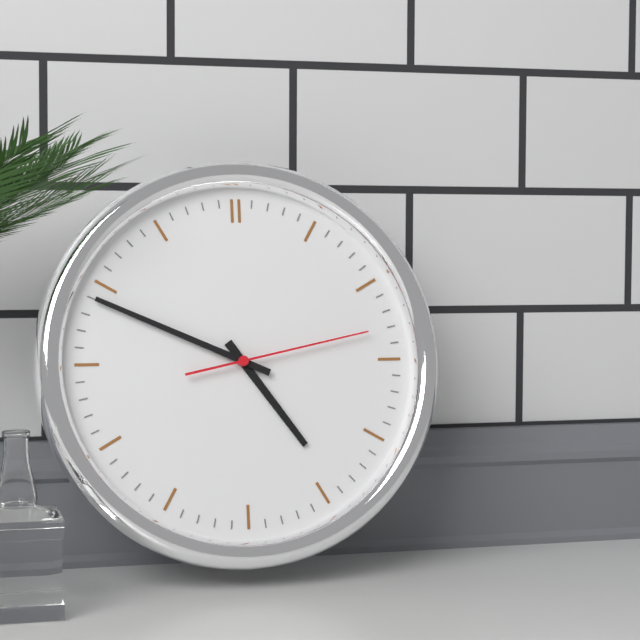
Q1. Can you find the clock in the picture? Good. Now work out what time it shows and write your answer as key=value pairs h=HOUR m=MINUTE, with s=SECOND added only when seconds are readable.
h=4 m=49 s=13
